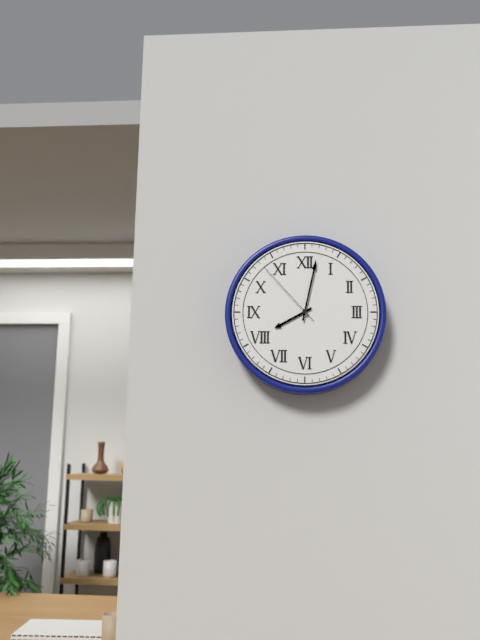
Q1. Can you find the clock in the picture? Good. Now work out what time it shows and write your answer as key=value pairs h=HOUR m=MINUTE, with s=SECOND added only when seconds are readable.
h=8 m=2 s=53
